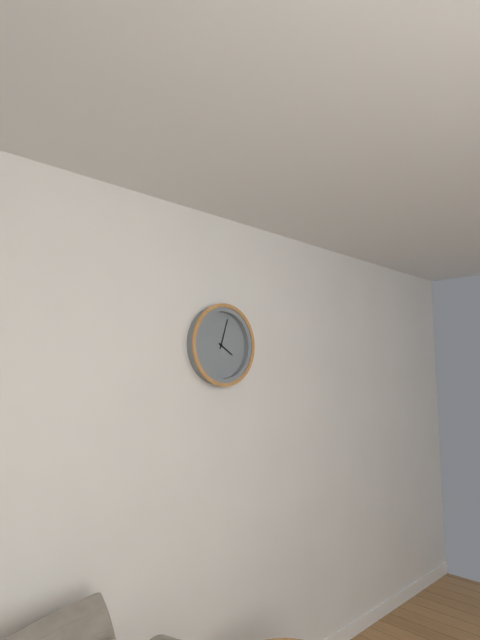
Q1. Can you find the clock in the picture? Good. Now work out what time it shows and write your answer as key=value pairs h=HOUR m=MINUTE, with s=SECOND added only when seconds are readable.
h=4 m=3
